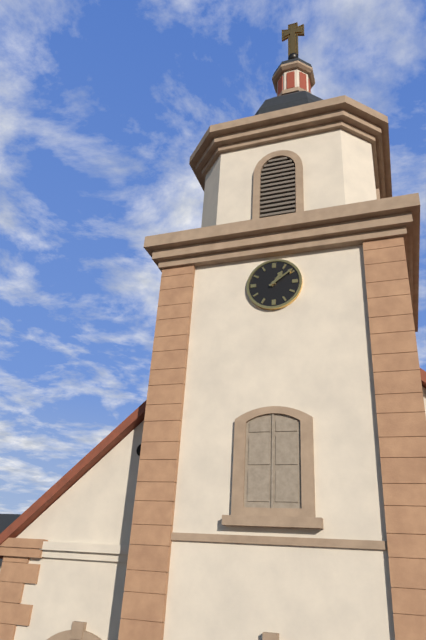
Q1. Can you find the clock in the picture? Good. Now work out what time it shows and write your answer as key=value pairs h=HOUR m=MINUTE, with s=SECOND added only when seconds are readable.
h=1 m=9
